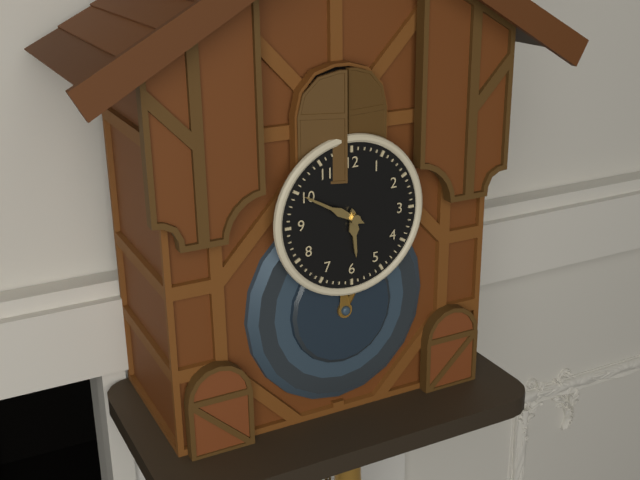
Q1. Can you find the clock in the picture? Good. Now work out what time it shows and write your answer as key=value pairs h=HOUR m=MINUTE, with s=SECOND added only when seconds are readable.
h=5 m=50
